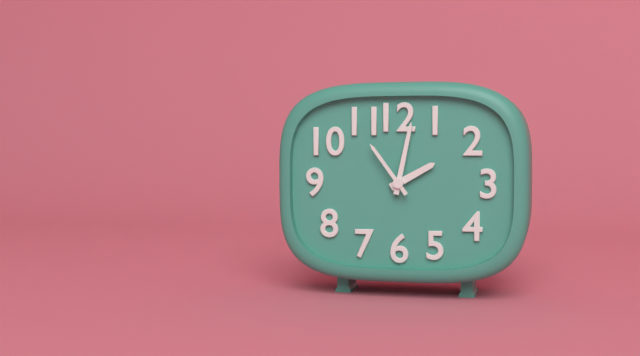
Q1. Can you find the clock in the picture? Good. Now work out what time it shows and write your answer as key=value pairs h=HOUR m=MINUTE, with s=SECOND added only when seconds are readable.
h=2 m=2 s=54
